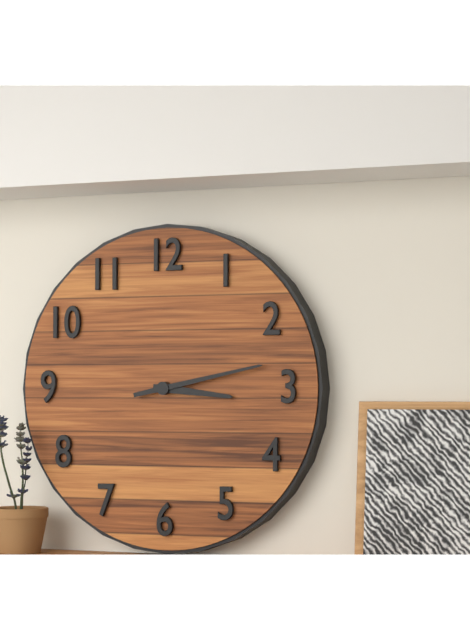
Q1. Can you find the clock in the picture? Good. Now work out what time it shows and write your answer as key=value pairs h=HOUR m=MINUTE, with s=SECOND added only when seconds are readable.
h=3 m=13
